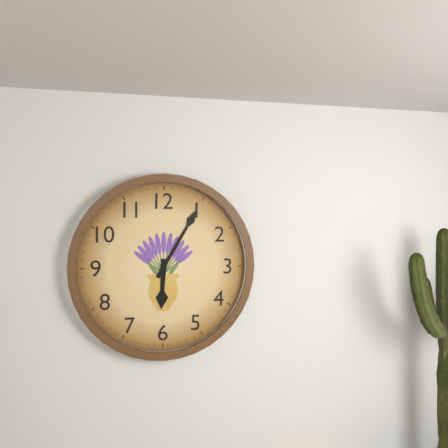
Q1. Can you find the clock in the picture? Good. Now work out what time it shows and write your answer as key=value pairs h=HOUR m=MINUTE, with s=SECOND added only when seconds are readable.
h=6 m=5
